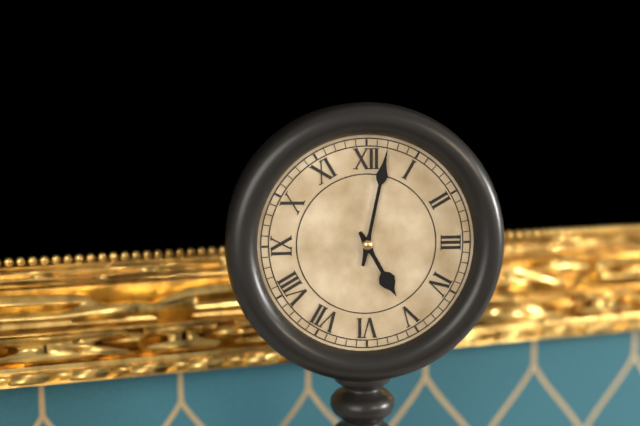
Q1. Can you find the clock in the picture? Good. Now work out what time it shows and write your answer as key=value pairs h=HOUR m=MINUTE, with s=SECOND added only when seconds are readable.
h=5 m=2
